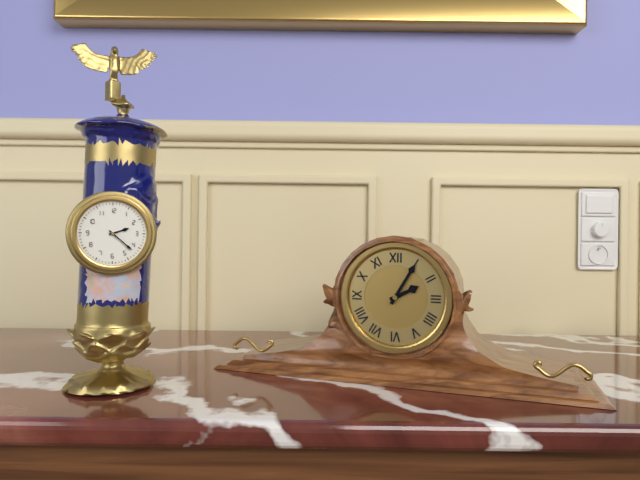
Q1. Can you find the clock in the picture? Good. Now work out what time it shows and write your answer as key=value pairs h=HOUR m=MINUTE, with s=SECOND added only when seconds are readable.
h=2 m=22
